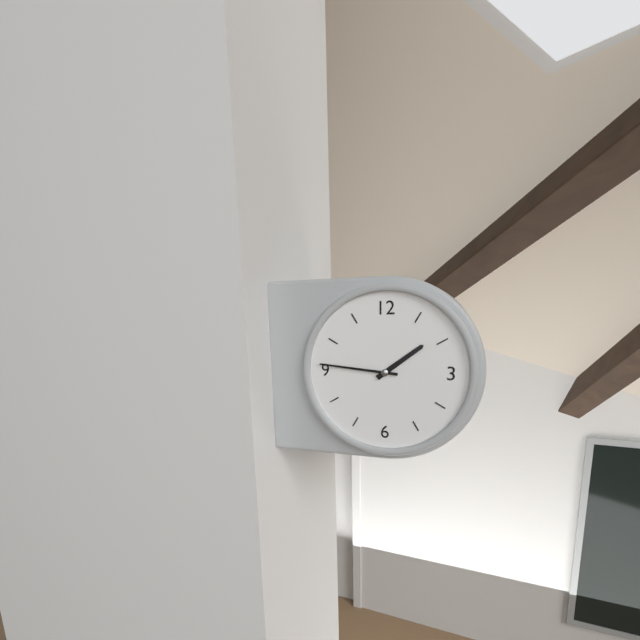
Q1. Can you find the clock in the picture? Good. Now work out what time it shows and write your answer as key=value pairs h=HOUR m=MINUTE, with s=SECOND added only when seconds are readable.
h=1 m=46
